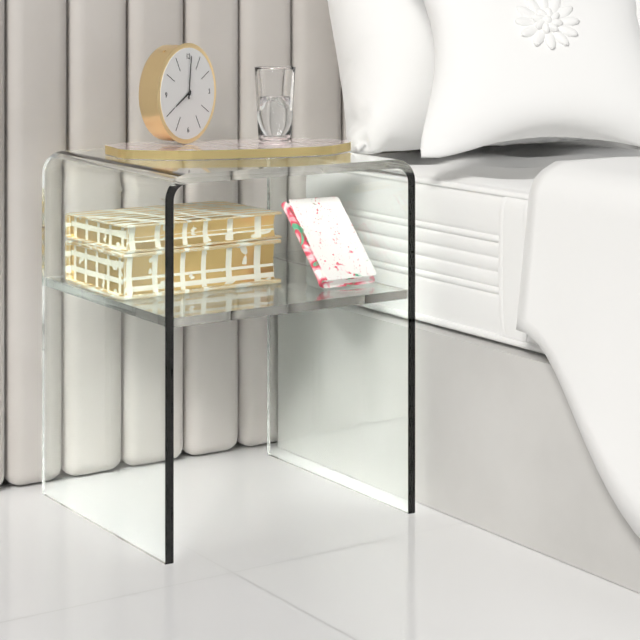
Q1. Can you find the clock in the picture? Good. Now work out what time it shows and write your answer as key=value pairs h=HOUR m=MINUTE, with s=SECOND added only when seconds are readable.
h=8 m=1
